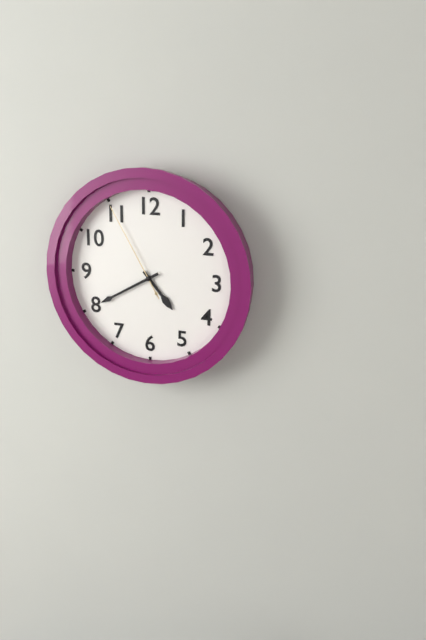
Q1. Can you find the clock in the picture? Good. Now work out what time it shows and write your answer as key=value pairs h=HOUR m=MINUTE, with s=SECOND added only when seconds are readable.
h=4 m=40 s=55
